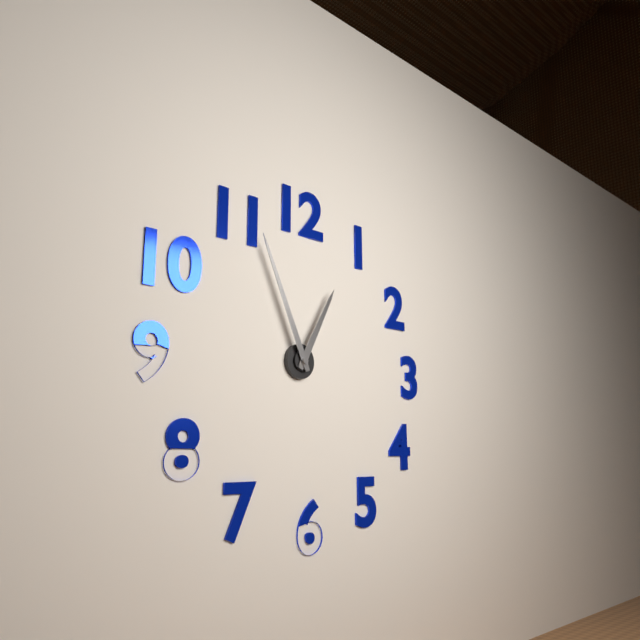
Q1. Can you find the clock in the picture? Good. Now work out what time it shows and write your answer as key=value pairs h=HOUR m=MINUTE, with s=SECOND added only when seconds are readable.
h=12 m=56
